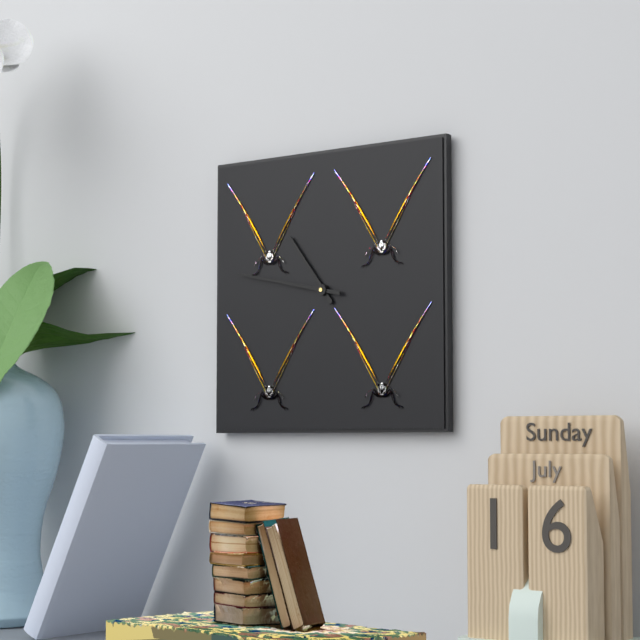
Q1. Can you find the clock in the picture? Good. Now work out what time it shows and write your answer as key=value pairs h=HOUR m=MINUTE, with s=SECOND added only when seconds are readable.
h=10 m=47
